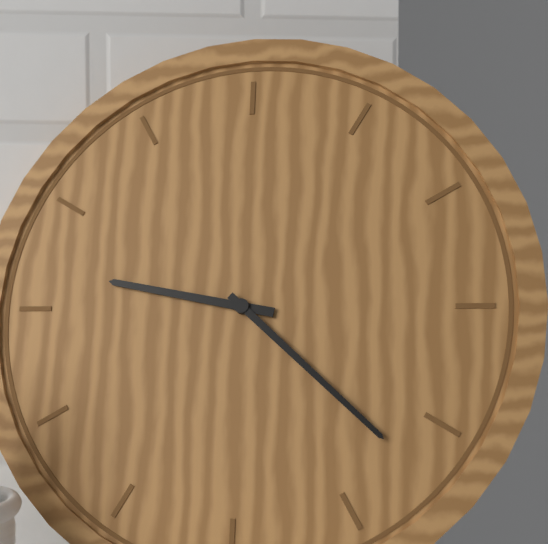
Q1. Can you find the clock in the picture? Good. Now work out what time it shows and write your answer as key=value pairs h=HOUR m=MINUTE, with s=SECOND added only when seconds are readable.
h=9 m=22
